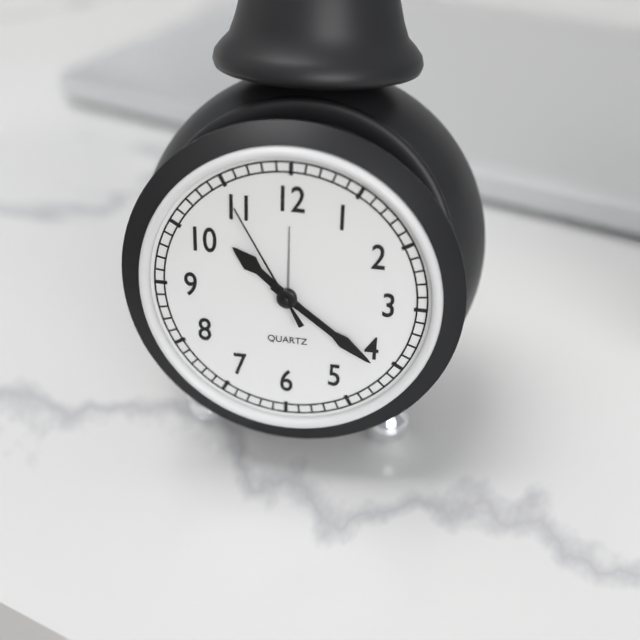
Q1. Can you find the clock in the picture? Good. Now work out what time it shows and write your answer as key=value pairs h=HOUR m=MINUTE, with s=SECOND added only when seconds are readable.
h=10 m=21 s=55
